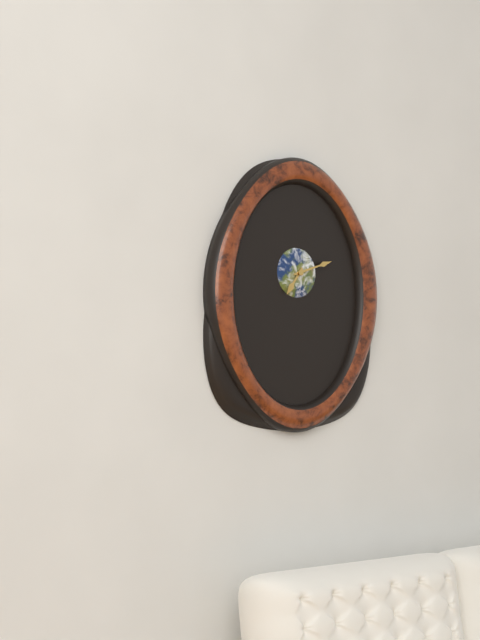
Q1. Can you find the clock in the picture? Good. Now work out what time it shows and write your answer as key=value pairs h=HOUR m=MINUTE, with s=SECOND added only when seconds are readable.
h=7 m=12
